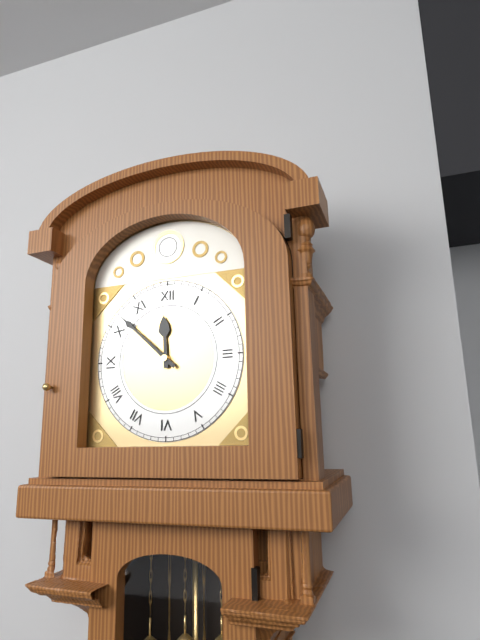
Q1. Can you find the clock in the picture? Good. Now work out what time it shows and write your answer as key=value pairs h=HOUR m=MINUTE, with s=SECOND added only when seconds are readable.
h=11 m=52
